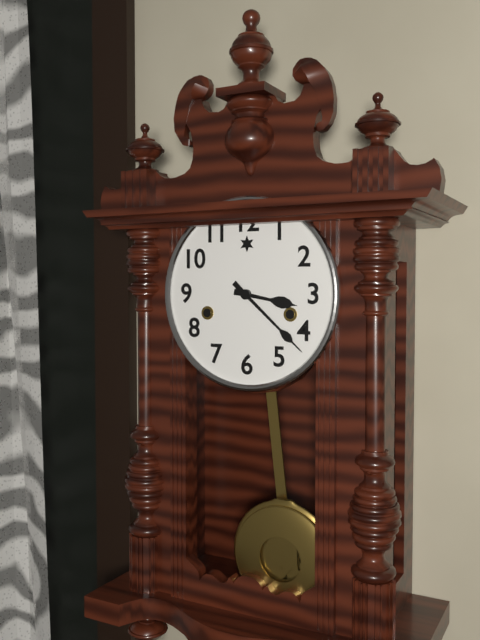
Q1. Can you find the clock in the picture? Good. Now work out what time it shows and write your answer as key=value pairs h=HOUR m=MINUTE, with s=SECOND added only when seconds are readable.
h=3 m=22
